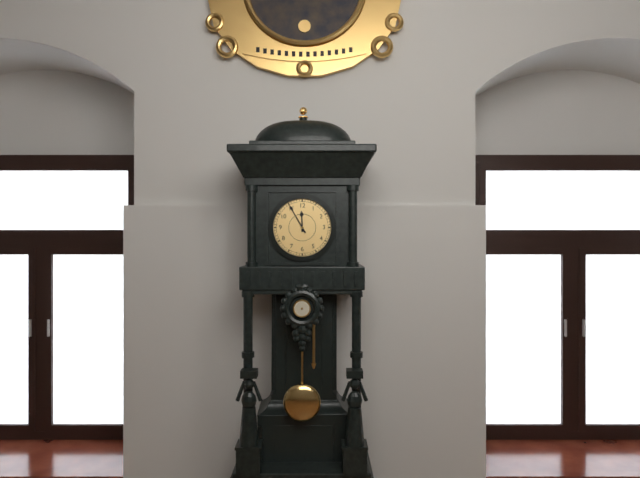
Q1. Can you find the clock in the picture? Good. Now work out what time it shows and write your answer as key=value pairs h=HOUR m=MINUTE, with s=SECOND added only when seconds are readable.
h=11 m=55
